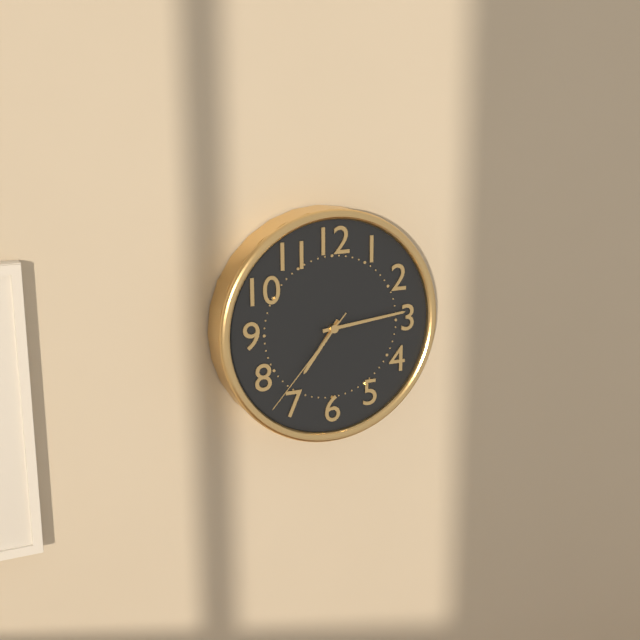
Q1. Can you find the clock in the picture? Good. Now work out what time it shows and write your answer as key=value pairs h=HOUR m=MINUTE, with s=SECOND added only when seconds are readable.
h=7 m=14 s=37
